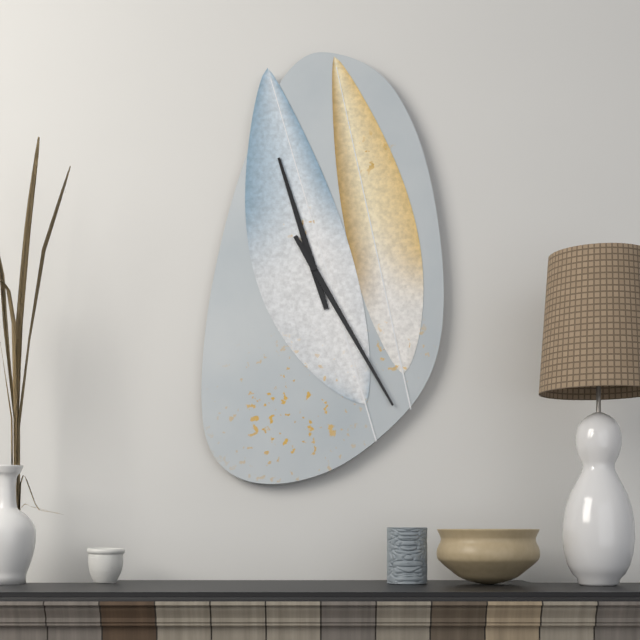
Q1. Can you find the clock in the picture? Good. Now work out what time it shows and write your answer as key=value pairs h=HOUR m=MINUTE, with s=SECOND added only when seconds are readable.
h=11 m=25
